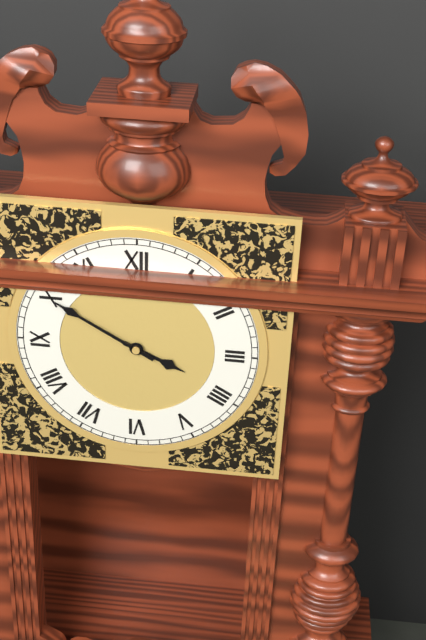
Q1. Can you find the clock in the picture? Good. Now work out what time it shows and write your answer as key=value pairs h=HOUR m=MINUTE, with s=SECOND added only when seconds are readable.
h=3 m=50
